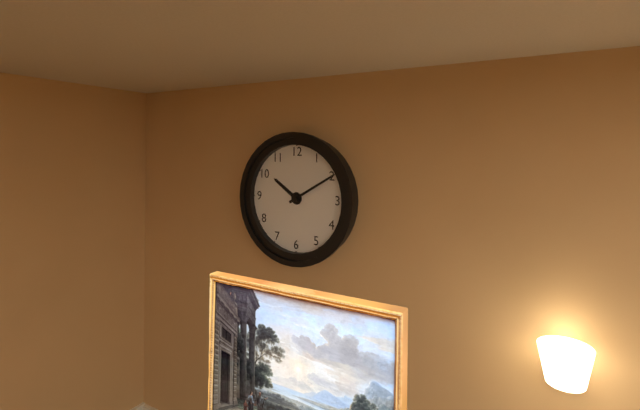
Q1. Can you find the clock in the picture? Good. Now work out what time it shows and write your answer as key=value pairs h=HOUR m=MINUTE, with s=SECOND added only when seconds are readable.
h=10 m=10
